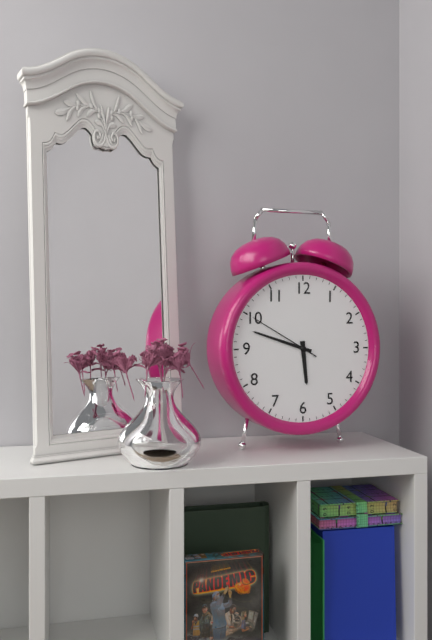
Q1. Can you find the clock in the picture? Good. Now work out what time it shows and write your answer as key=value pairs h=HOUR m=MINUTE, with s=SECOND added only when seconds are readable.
h=5 m=48 s=50
